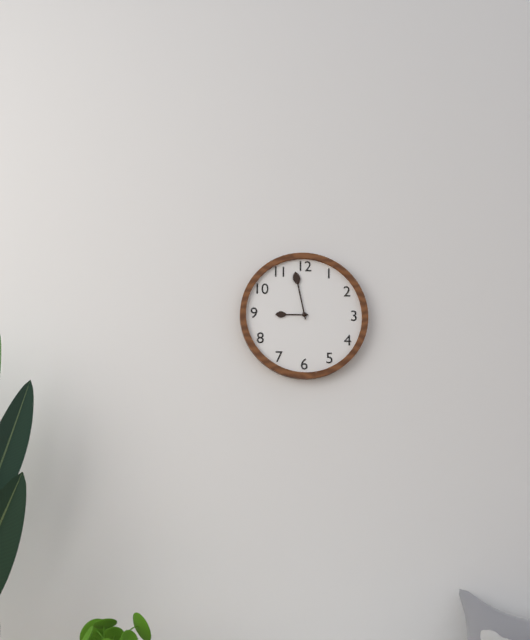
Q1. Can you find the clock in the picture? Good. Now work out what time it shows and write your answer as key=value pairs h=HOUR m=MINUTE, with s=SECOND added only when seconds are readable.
h=8 m=58
